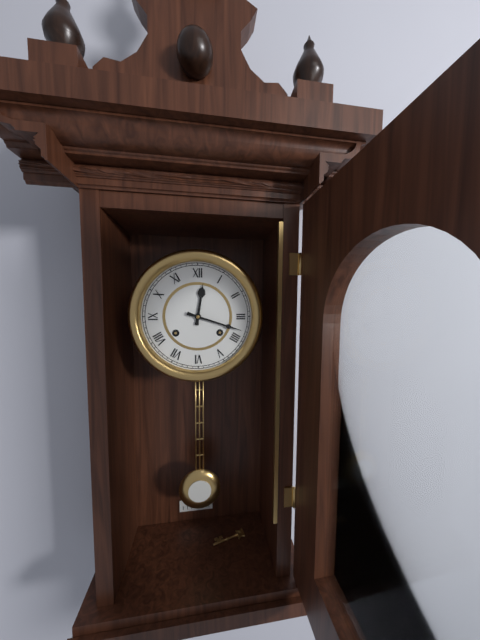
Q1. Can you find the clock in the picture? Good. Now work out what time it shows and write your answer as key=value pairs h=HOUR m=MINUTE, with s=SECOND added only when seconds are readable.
h=12 m=18
